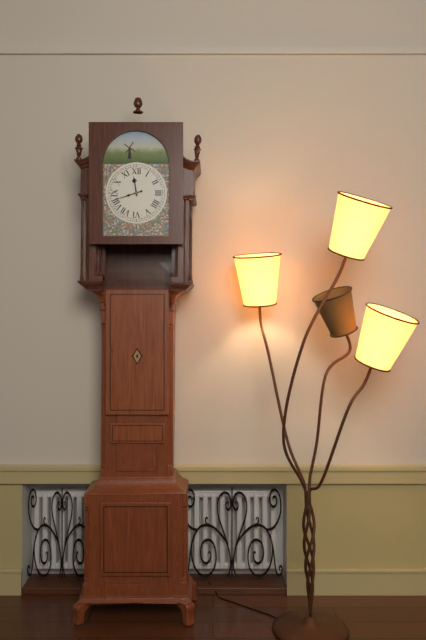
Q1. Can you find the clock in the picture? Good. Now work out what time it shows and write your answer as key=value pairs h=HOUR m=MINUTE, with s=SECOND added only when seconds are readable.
h=11 m=42
